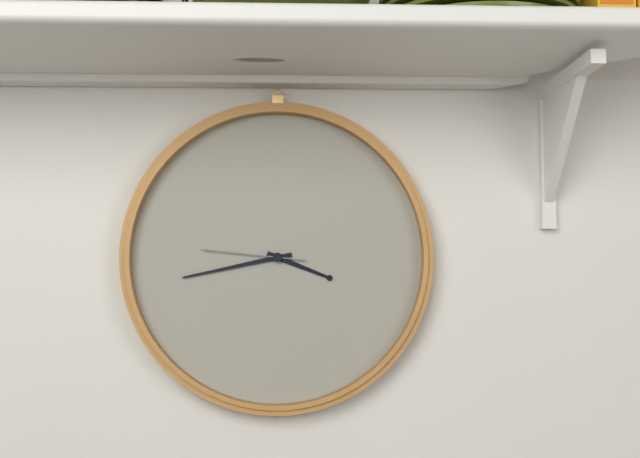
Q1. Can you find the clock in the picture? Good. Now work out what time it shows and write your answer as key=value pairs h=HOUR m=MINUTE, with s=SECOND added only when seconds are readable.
h=3 m=43 s=46
